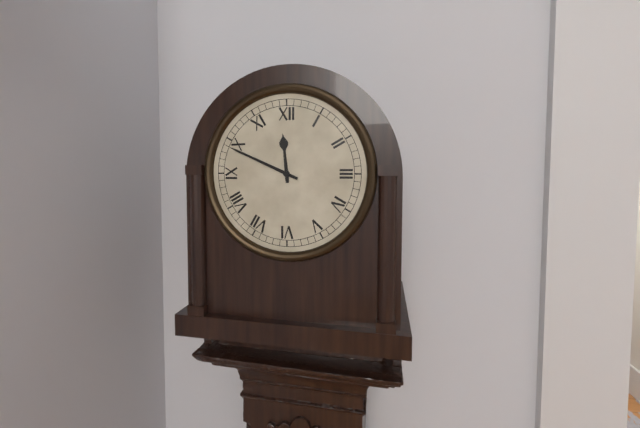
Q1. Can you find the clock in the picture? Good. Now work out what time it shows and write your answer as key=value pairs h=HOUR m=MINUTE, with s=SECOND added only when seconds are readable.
h=11 m=49
